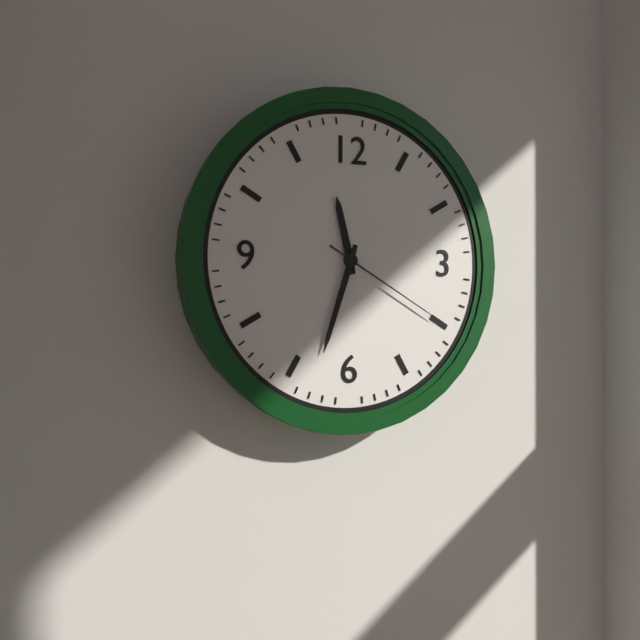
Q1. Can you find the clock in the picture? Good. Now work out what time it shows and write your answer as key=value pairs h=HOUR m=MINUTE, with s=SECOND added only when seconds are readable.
h=11 m=33 s=20
